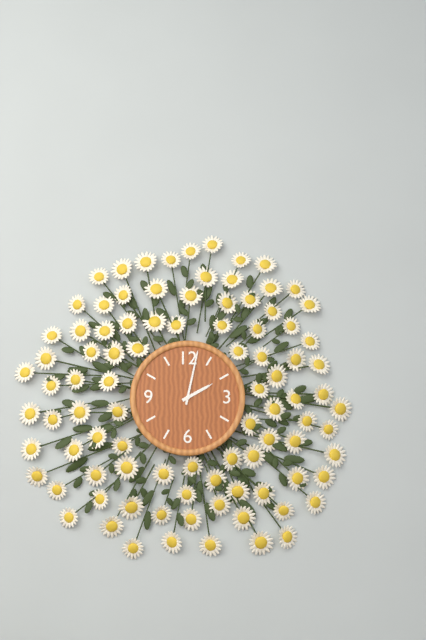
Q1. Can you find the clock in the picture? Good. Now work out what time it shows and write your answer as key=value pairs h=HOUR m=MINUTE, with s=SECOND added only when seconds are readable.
h=2 m=2
